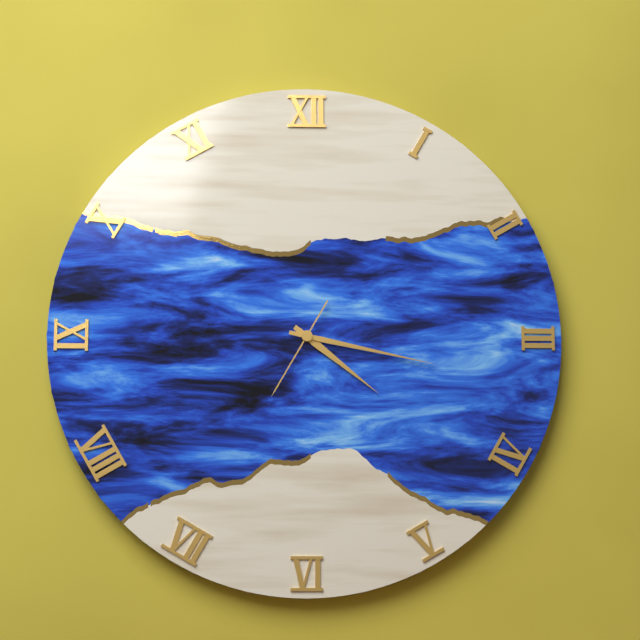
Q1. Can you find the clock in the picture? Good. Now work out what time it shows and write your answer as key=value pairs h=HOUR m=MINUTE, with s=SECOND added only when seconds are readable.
h=4 m=17 s=35
